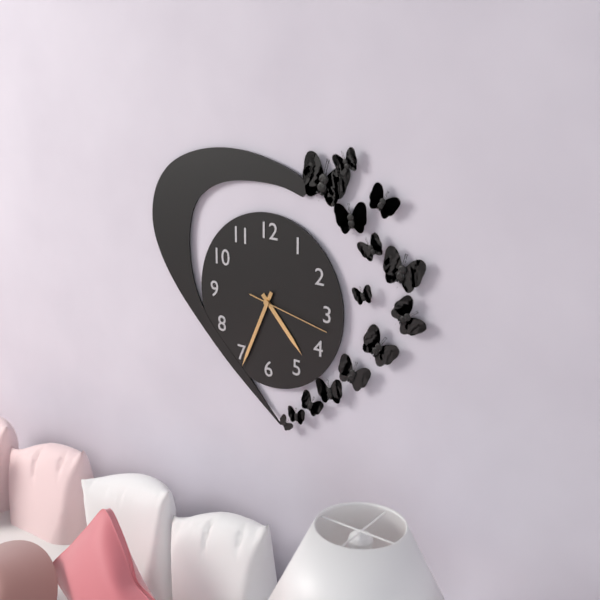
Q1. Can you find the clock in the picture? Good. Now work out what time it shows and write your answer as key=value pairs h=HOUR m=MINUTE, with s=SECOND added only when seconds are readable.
h=4 m=34 s=17
